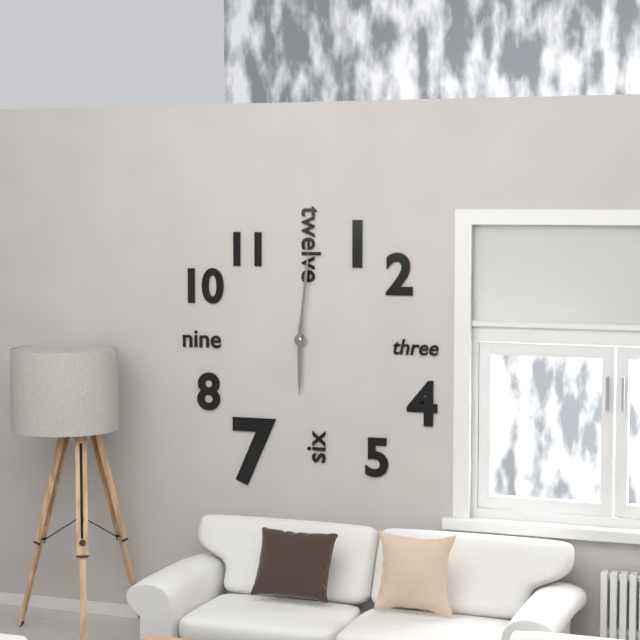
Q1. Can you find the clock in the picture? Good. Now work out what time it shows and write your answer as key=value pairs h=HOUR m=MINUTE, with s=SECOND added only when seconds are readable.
h=6 m=1
